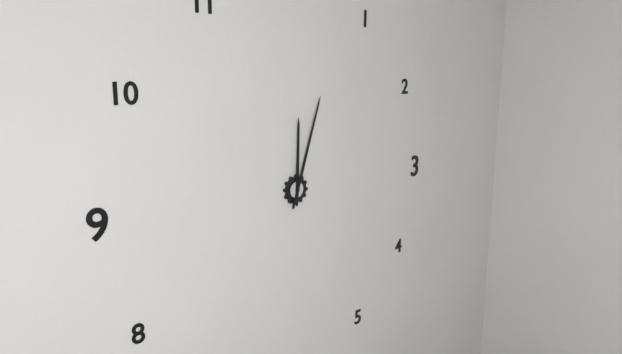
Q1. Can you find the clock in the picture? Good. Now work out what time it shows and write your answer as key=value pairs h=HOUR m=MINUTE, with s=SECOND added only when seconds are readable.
h=12 m=3
